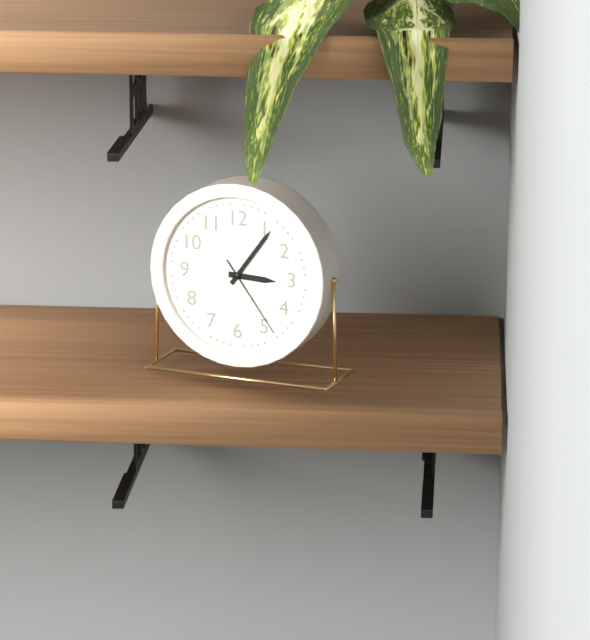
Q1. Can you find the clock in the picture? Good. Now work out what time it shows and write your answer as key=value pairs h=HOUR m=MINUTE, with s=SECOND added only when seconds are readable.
h=3 m=6 s=24
